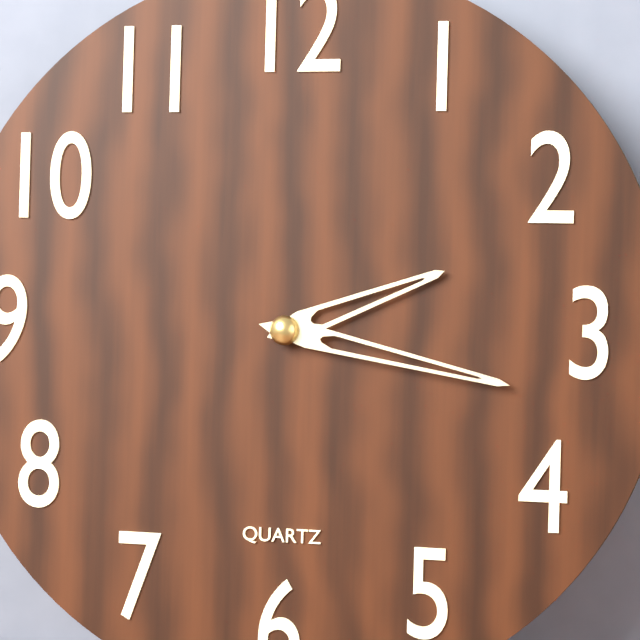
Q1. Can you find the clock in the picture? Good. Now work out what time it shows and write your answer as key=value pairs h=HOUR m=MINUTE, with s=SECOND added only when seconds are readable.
h=2 m=17
